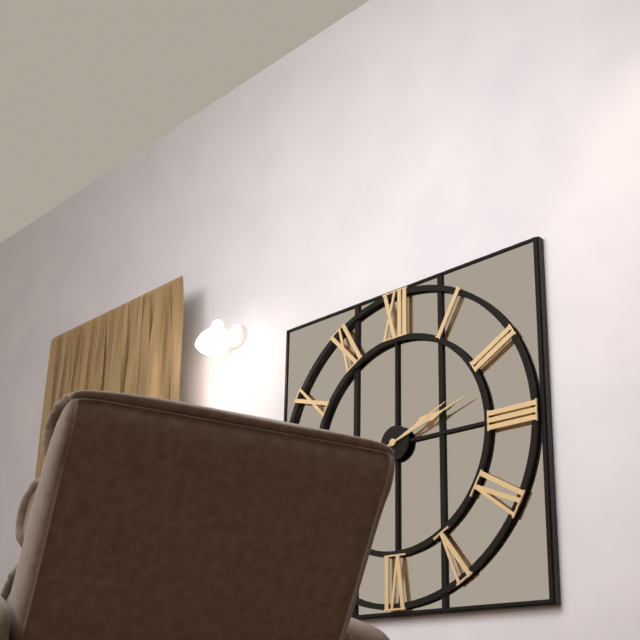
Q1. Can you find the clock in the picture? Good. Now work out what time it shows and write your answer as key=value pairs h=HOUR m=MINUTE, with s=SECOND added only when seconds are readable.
h=2 m=12
